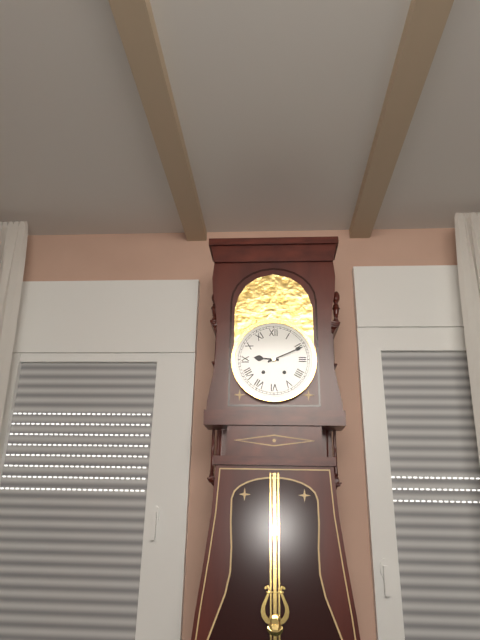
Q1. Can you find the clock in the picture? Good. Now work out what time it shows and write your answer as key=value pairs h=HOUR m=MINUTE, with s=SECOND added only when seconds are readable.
h=9 m=11
